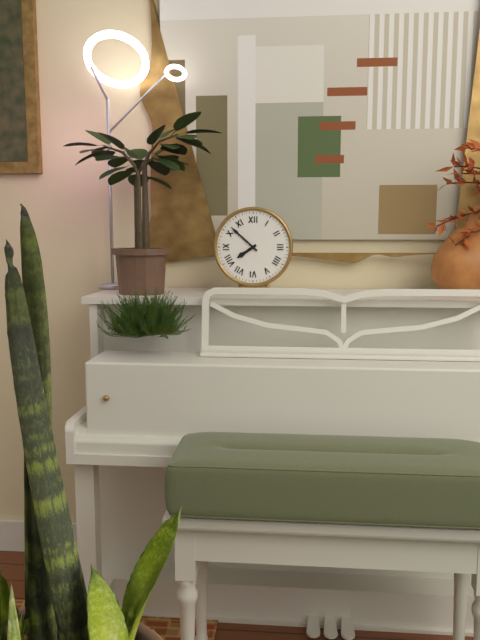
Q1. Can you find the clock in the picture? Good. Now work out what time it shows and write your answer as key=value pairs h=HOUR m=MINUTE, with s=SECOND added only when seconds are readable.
h=7 m=52
